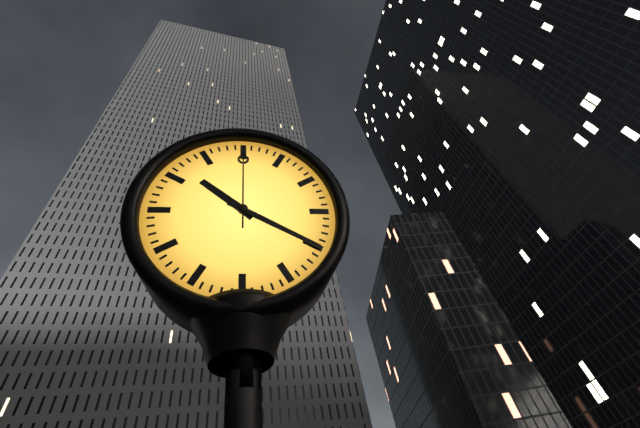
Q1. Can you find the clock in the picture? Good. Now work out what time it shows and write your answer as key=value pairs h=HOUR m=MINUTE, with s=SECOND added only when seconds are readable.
h=10 m=20 s=0
